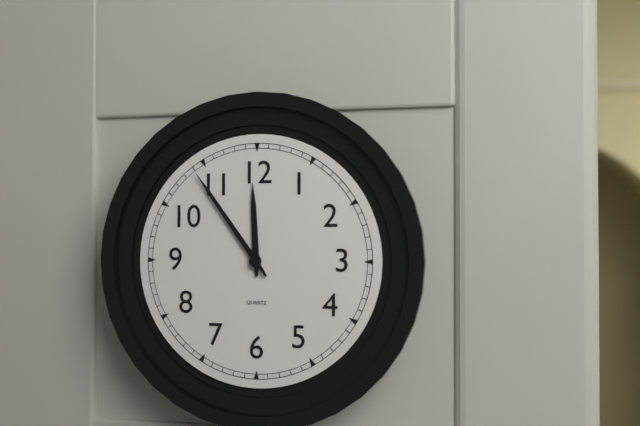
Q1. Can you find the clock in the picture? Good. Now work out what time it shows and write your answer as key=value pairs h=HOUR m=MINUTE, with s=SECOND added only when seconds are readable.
h=11 m=54
